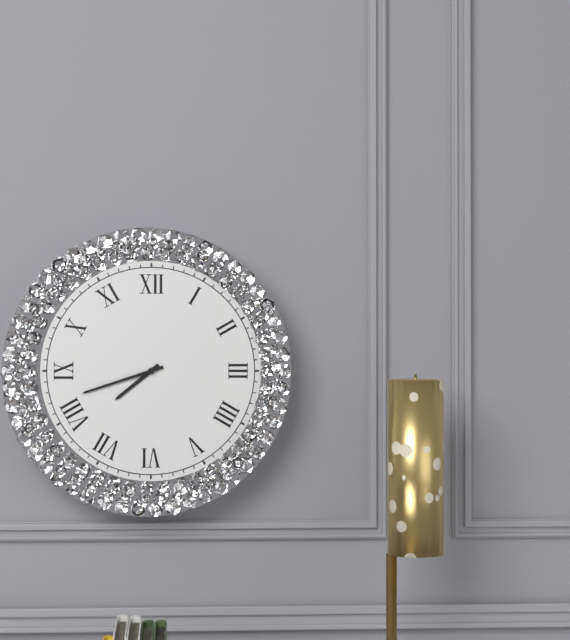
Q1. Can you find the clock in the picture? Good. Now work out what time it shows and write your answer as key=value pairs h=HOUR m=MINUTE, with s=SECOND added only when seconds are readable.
h=7 m=42
